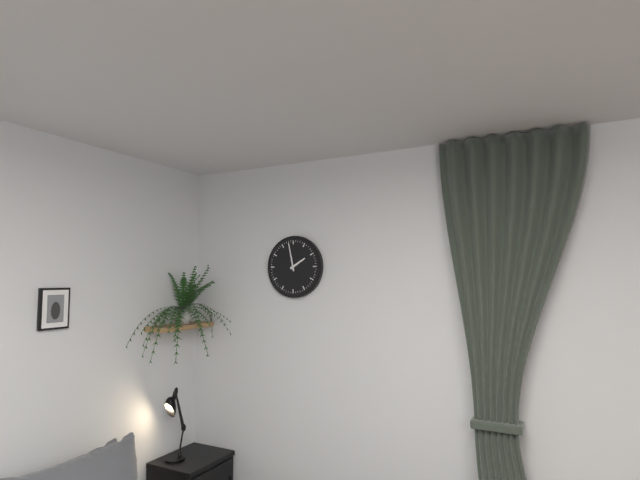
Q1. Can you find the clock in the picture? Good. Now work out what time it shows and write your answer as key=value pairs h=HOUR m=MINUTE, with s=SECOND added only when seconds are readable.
h=1 m=58
